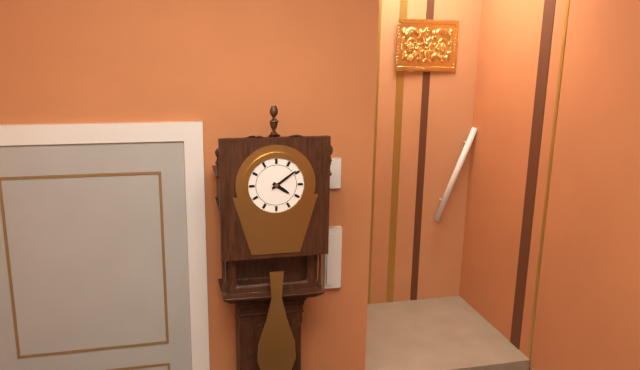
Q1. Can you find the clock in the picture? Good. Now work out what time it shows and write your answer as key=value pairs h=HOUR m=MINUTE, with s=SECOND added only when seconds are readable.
h=4 m=9
